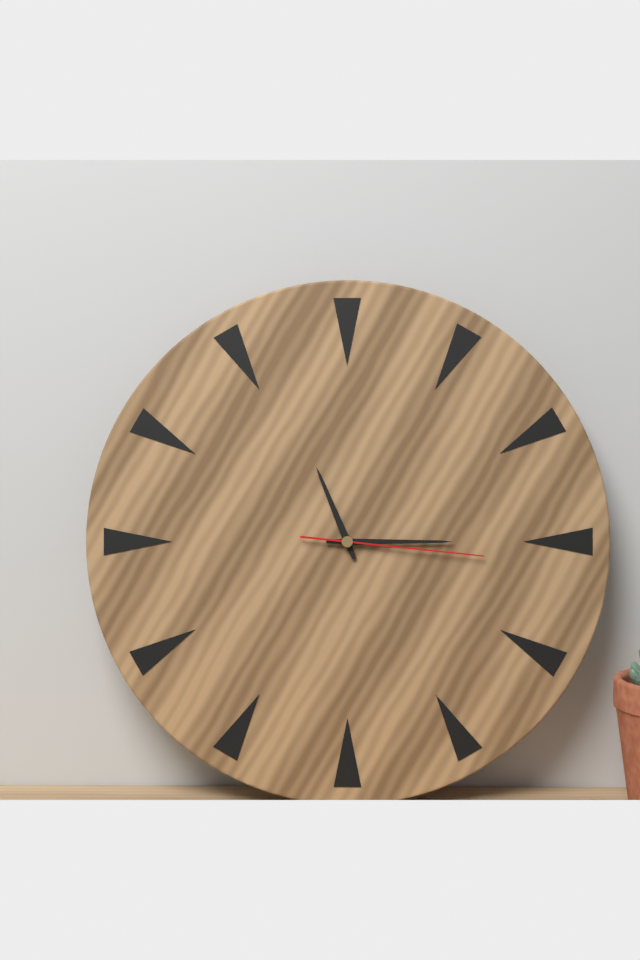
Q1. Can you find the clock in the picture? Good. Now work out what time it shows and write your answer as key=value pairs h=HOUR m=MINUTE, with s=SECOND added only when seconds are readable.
h=11 m=15 s=16
